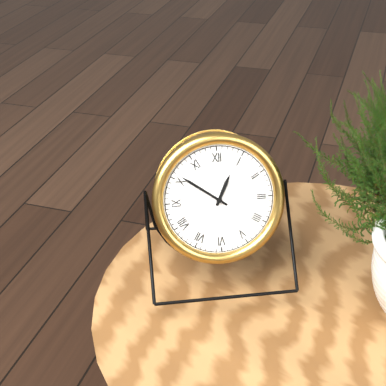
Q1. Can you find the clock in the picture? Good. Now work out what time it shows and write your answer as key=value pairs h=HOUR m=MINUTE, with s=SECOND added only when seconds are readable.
h=12 m=51
